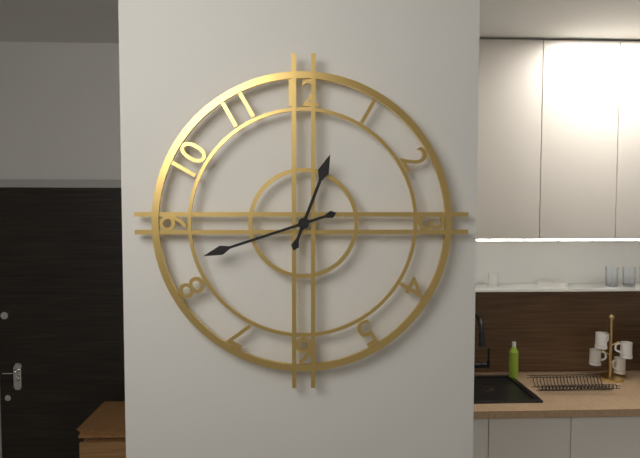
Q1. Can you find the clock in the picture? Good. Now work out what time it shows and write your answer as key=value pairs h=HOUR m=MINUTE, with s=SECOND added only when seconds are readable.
h=12 m=42
